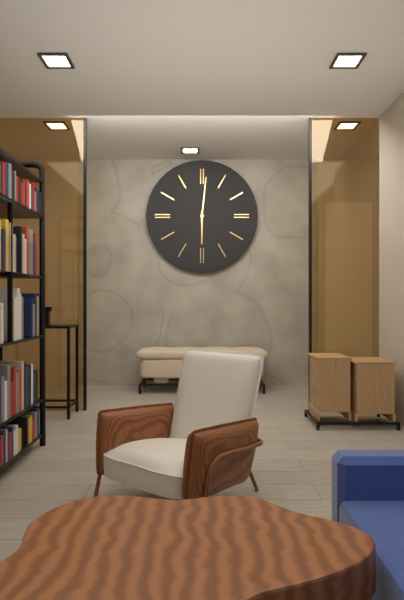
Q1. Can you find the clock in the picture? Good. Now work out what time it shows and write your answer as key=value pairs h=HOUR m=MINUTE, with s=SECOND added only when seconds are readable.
h=6 m=1
